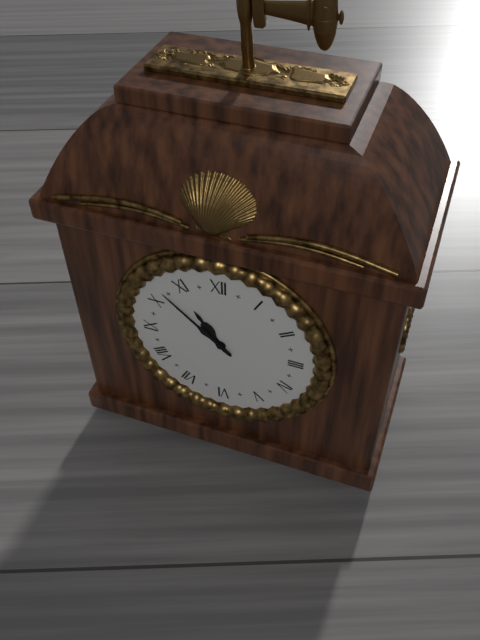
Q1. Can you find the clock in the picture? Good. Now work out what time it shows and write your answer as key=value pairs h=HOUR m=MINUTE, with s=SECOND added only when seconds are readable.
h=10 m=52
